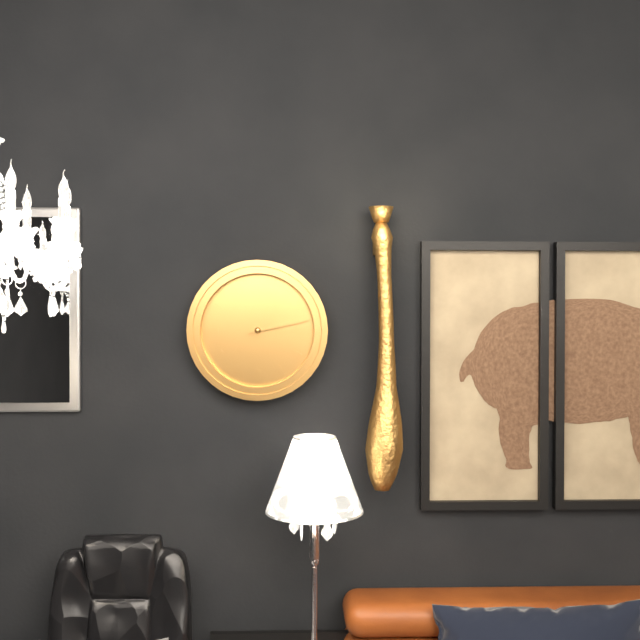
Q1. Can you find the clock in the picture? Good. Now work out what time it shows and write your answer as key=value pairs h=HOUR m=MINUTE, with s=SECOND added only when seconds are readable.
h=1 m=13
